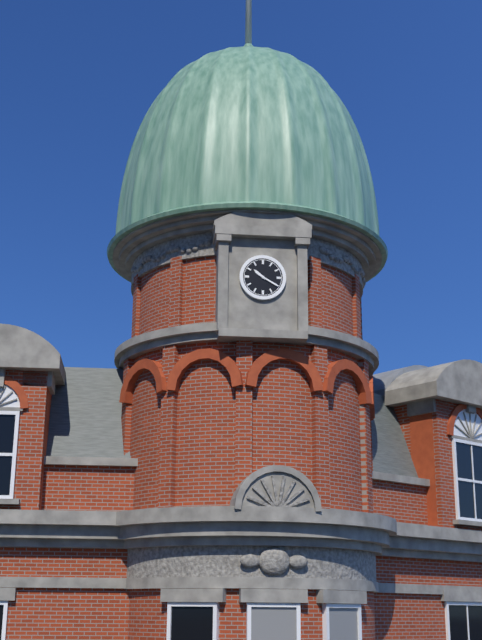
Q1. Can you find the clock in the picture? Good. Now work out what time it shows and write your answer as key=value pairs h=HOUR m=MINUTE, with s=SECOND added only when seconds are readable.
h=10 m=20
